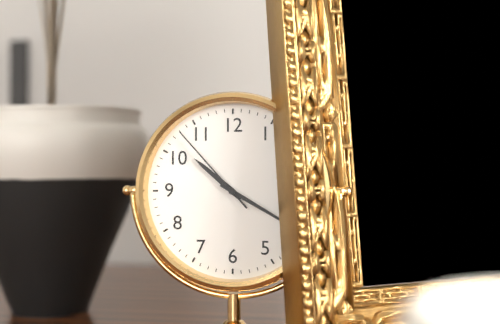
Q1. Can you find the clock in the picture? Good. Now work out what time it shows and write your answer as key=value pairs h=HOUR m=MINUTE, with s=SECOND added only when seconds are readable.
h=10 m=20 s=53
